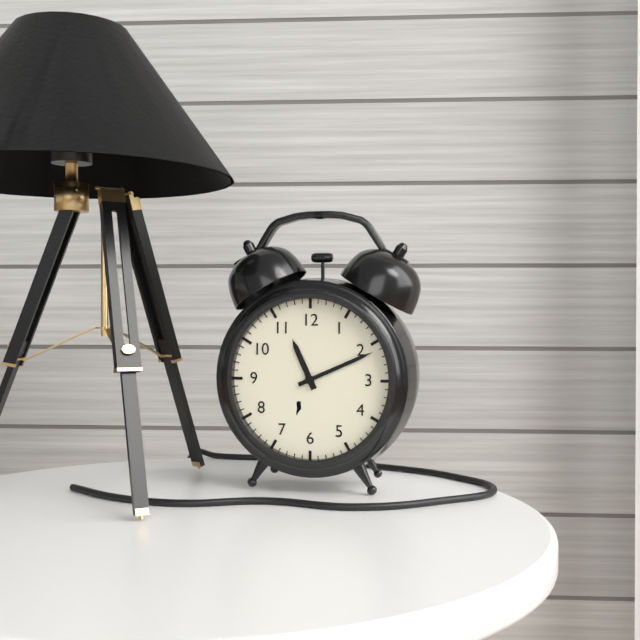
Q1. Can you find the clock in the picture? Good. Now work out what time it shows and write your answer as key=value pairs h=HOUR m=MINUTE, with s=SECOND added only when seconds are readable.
h=11 m=11
